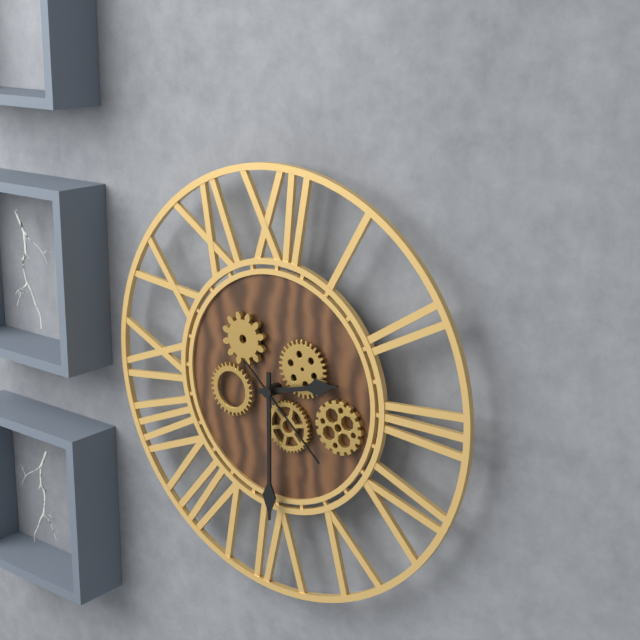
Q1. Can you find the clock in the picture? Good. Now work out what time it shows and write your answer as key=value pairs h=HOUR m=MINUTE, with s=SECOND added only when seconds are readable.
h=2 m=30 s=22
